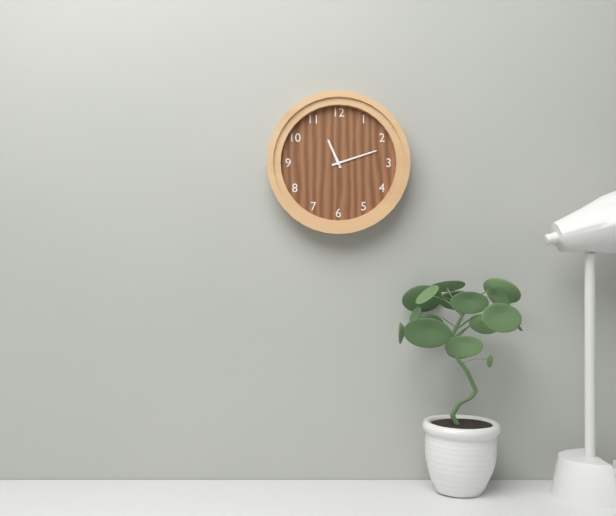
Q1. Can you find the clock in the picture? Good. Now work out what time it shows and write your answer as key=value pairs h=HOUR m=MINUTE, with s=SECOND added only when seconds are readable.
h=11 m=12
